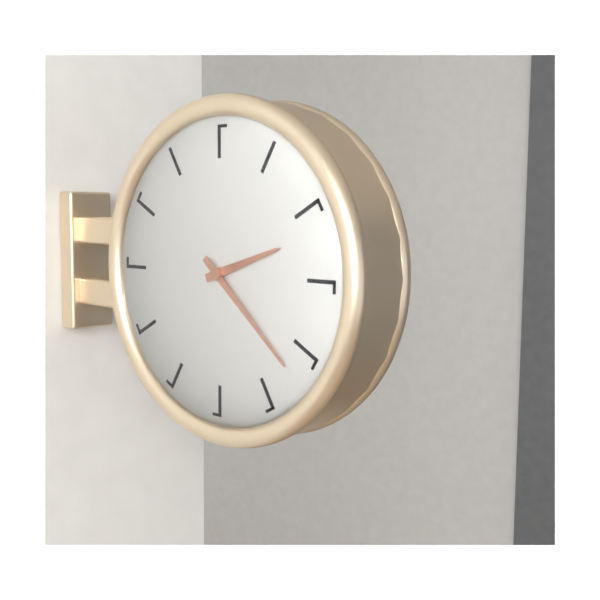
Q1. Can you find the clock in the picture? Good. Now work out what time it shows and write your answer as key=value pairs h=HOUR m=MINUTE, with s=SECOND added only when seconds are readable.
h=2 m=22
